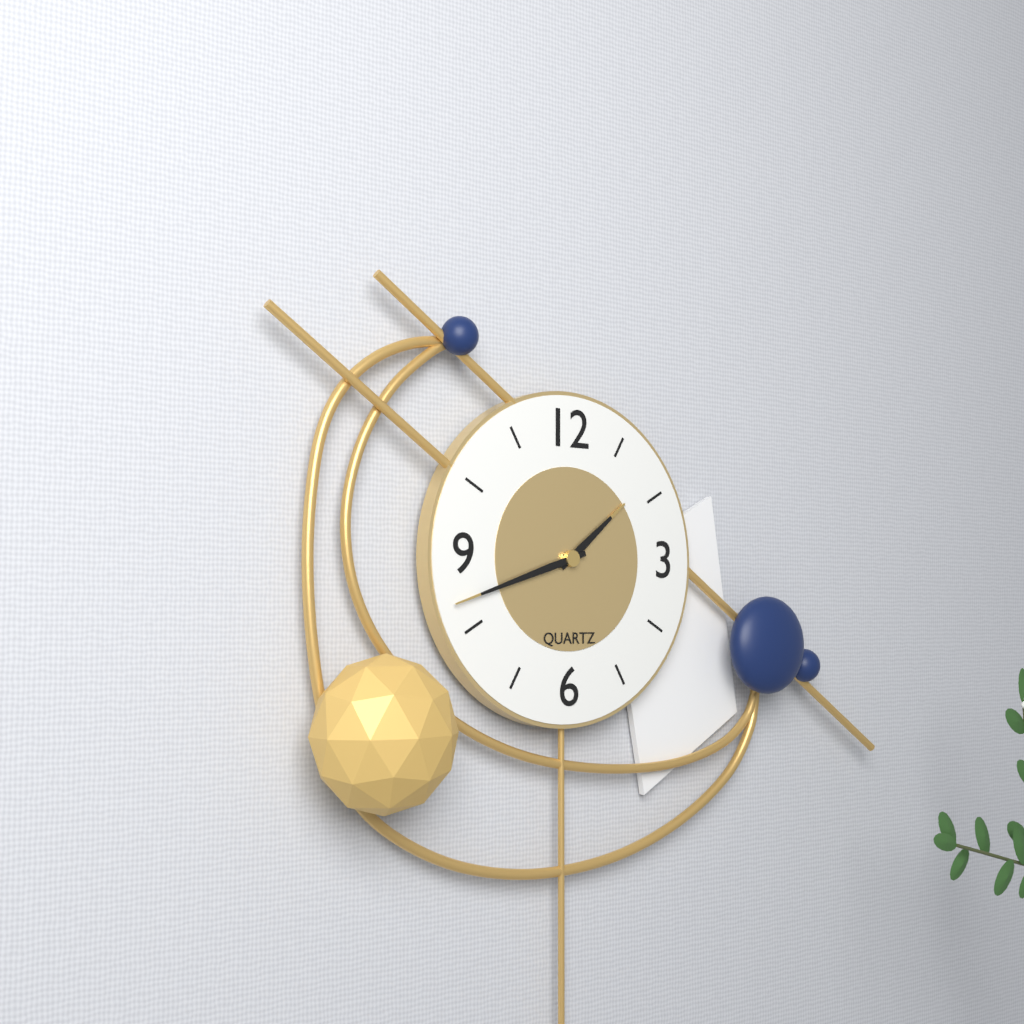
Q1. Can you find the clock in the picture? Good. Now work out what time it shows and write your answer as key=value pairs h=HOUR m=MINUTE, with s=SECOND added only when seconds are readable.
h=1 m=42
